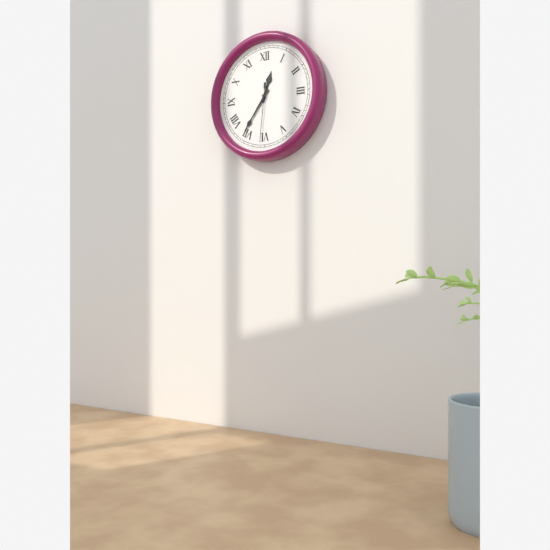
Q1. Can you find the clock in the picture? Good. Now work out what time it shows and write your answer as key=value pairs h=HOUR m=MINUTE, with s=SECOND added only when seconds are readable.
h=12 m=36 s=31
